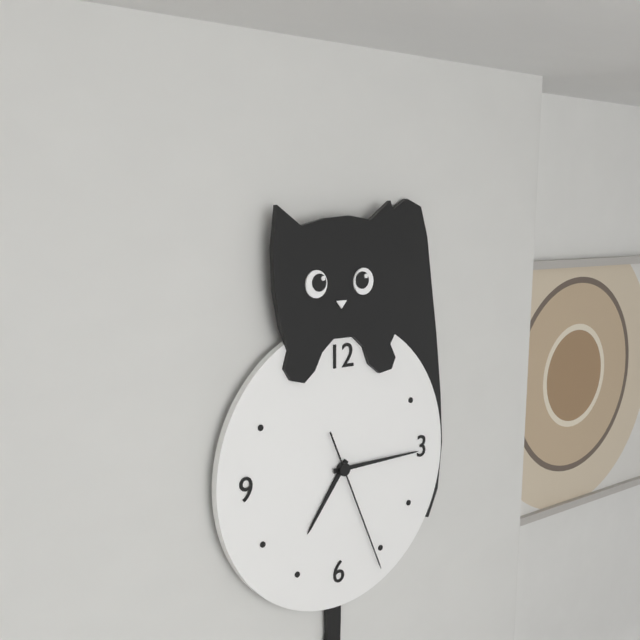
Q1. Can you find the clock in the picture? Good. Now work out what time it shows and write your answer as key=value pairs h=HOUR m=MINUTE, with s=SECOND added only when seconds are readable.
h=7 m=15 s=26
